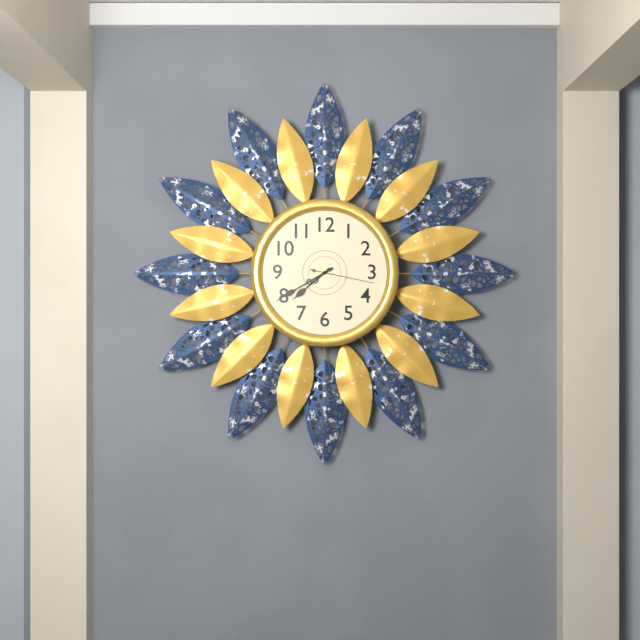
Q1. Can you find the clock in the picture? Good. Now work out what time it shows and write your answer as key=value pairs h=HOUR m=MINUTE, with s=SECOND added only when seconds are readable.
h=7 m=40 s=17
